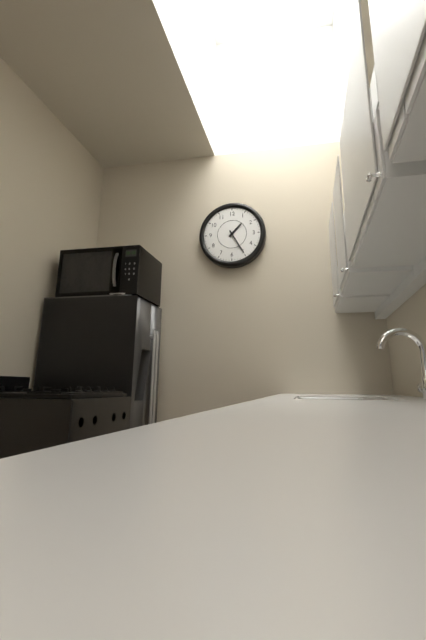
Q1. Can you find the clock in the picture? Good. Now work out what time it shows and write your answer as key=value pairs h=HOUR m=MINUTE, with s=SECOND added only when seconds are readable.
h=1 m=25
